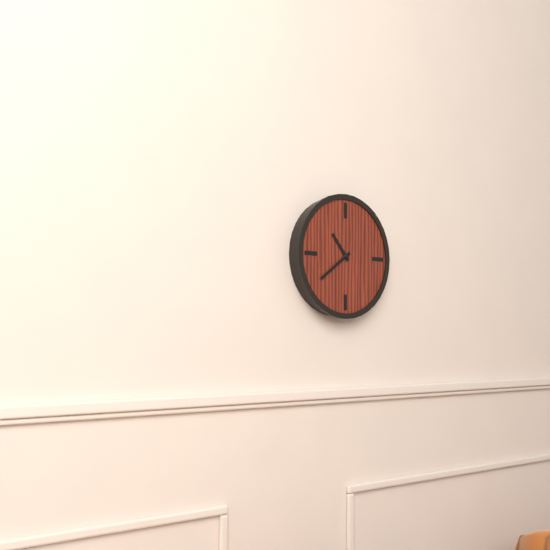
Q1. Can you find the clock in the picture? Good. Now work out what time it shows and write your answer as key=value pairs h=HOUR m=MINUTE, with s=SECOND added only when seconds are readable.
h=10 m=39
